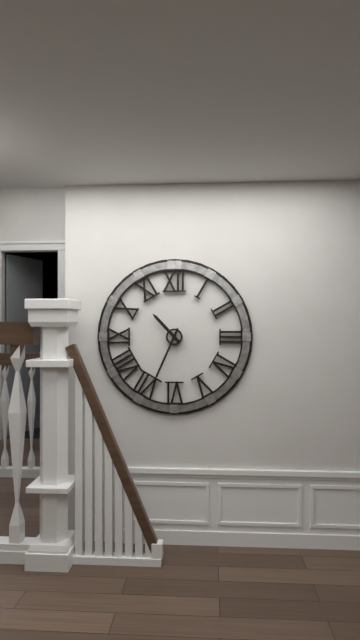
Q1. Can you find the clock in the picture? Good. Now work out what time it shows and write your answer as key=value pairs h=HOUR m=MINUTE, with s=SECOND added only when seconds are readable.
h=10 m=34
